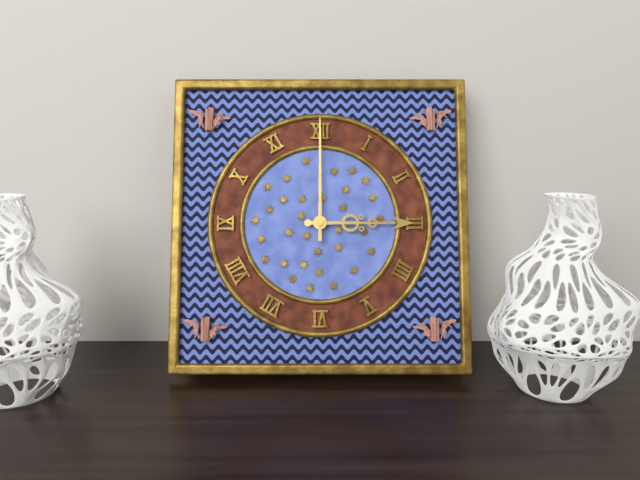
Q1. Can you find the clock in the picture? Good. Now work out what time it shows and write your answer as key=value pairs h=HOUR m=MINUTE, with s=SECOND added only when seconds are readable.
h=3 m=0
